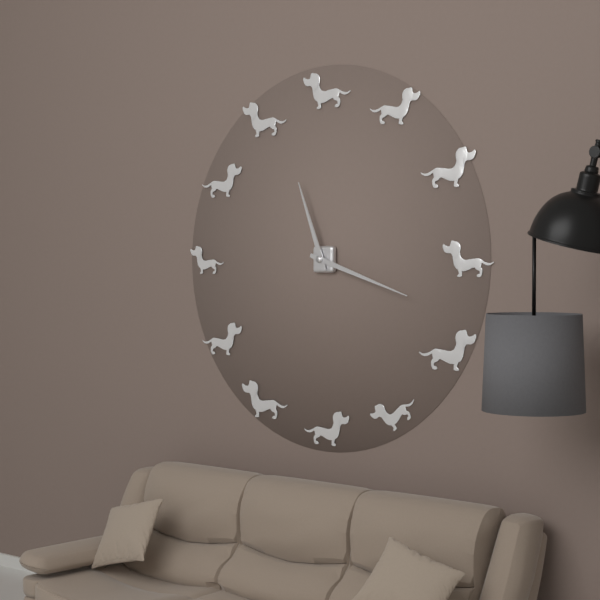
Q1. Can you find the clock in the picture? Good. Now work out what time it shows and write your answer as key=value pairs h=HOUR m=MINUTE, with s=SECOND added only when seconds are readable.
h=11 m=18
